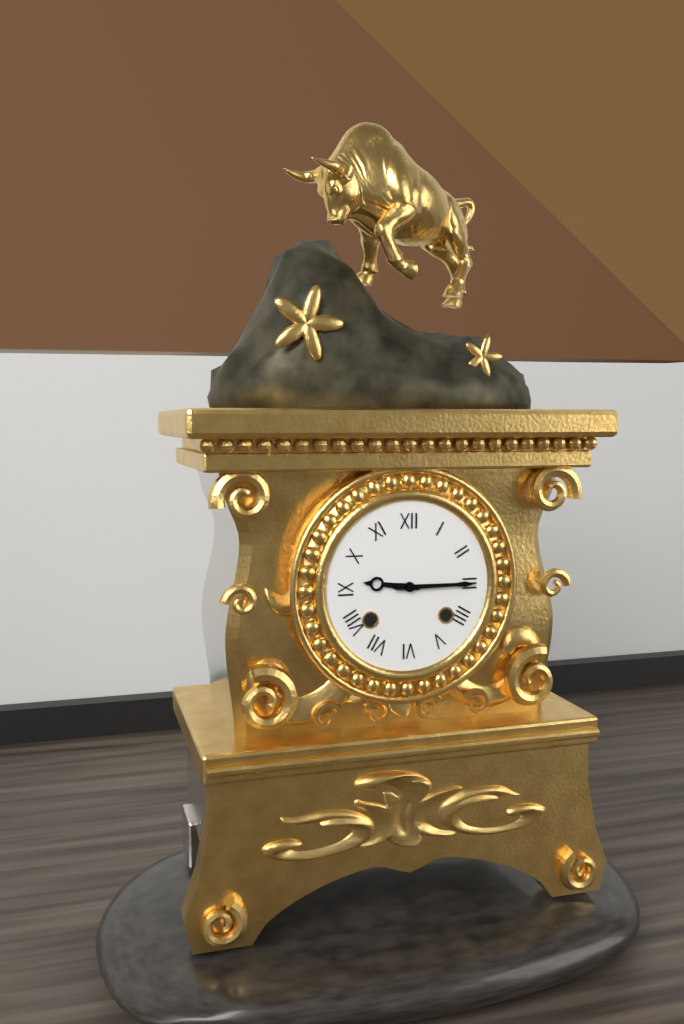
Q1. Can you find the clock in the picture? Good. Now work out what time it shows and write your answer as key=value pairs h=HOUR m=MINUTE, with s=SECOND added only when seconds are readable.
h=9 m=15
